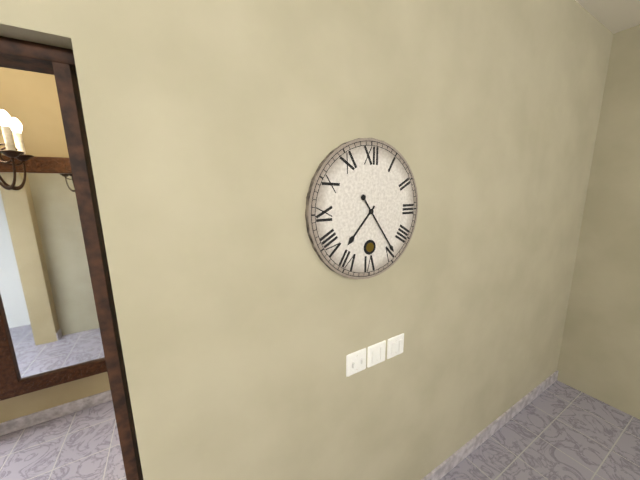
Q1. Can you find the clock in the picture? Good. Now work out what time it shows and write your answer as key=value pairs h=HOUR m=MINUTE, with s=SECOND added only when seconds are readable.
h=7 m=24
